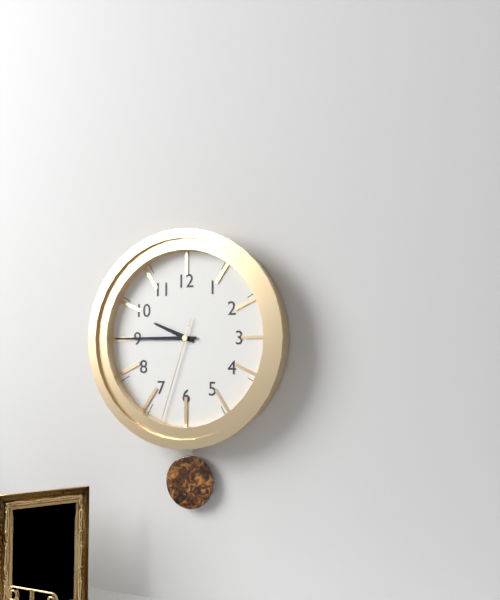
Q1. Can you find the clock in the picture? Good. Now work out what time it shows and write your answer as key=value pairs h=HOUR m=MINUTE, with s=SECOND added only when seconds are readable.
h=9 m=45 s=33
